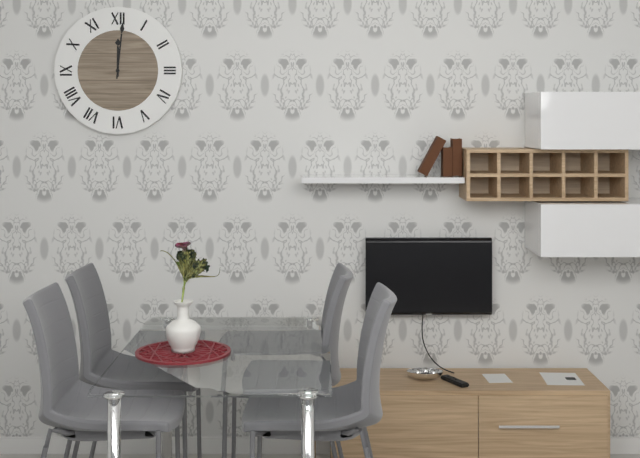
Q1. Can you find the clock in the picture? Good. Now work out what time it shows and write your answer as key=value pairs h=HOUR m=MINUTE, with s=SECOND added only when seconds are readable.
h=12 m=1
